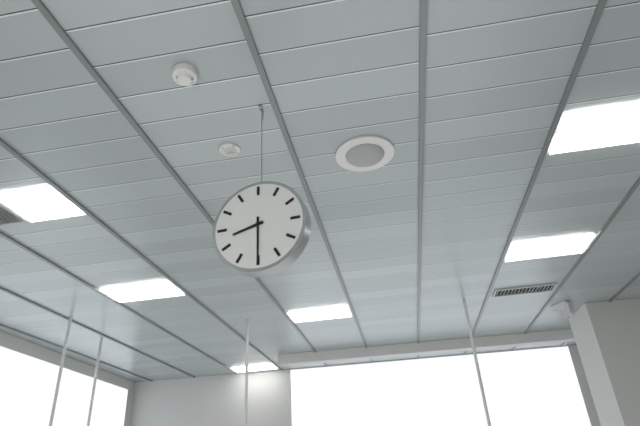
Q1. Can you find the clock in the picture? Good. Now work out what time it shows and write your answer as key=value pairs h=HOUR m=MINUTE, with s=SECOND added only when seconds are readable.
h=8 m=30
